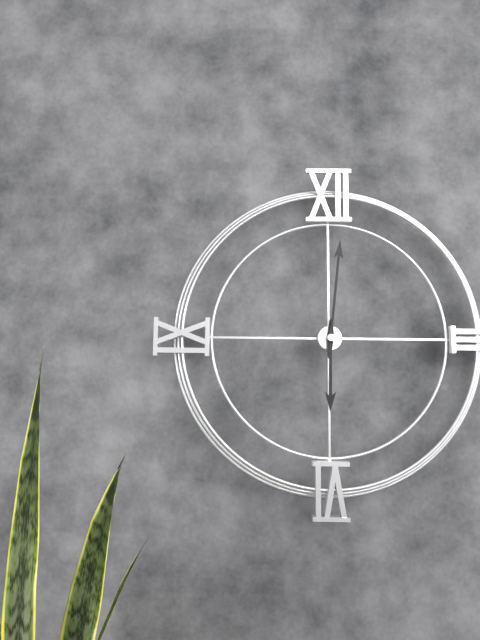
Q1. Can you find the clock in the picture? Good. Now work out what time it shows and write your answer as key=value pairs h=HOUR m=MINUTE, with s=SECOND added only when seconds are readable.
h=6 m=1
